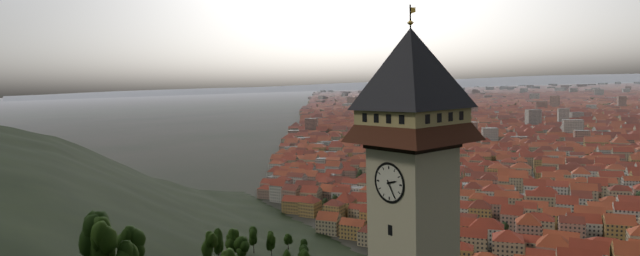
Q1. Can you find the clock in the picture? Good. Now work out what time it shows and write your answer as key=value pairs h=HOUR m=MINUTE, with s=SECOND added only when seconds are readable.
h=2 m=25
